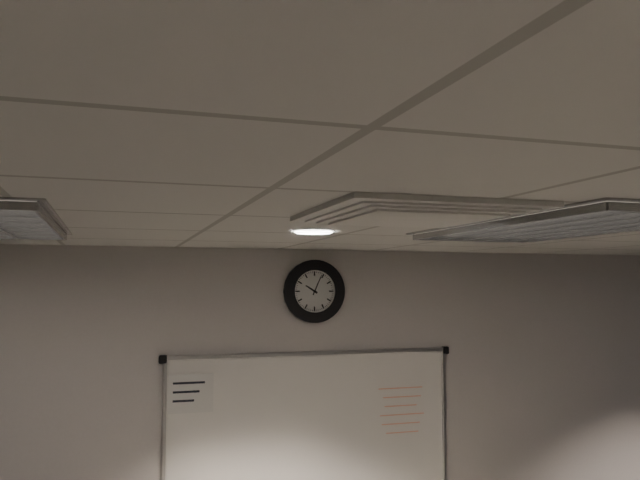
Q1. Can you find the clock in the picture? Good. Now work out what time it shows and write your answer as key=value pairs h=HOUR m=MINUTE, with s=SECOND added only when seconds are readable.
h=10 m=4
